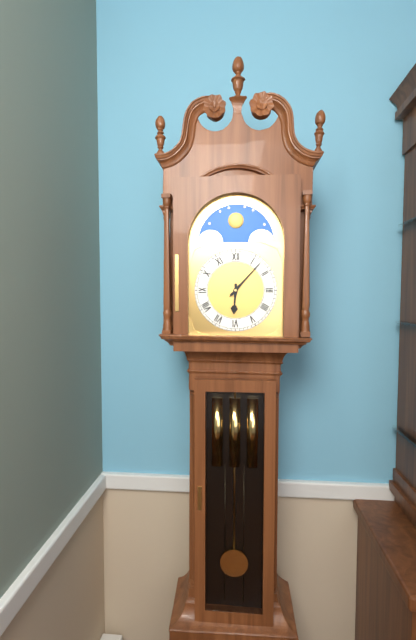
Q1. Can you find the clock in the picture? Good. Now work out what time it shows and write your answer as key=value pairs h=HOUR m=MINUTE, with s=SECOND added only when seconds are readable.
h=6 m=7
